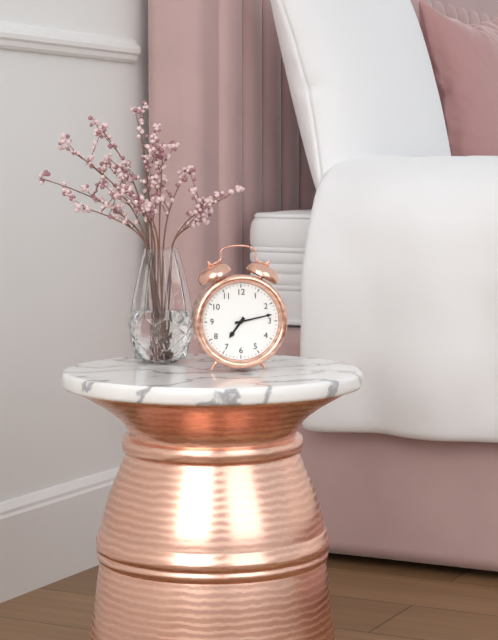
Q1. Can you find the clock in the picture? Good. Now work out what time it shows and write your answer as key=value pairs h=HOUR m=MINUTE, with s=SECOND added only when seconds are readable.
h=7 m=13
